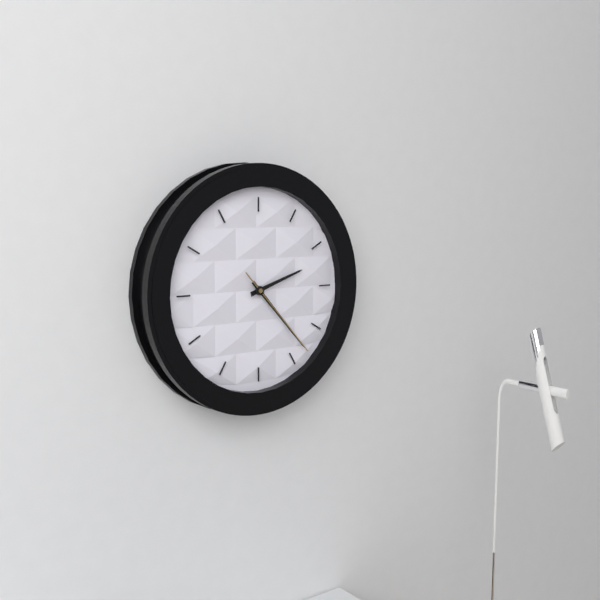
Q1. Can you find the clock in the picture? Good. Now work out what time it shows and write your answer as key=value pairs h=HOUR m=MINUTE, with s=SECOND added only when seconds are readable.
h=2 m=23 s=23
